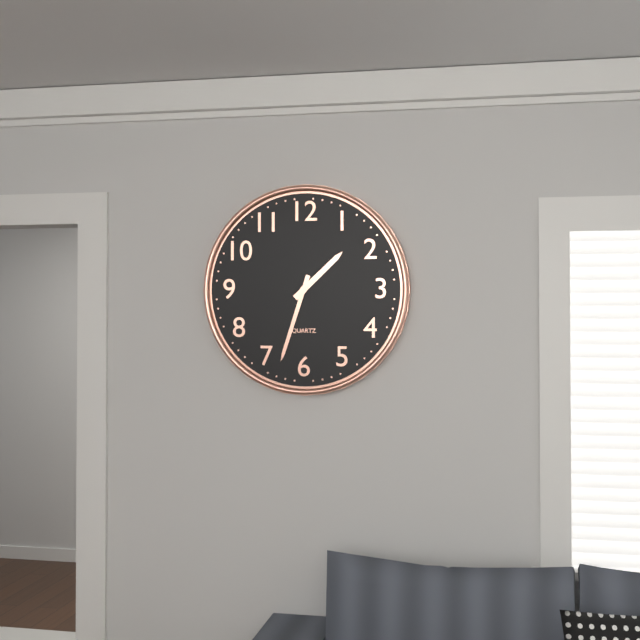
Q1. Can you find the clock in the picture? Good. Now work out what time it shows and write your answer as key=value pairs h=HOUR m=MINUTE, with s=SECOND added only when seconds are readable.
h=1 m=33
